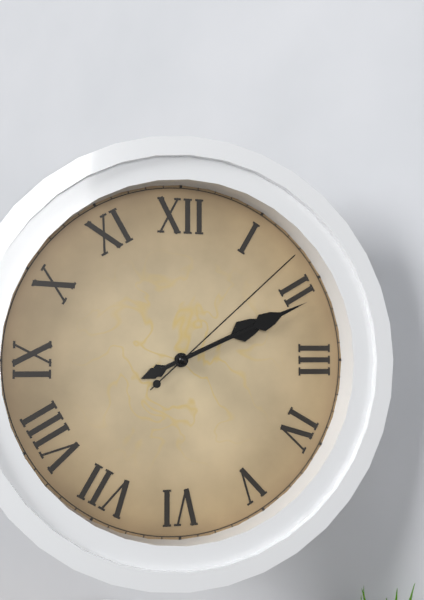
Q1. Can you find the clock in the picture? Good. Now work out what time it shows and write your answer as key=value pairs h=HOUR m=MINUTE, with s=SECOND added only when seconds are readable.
h=2 m=11 s=8
